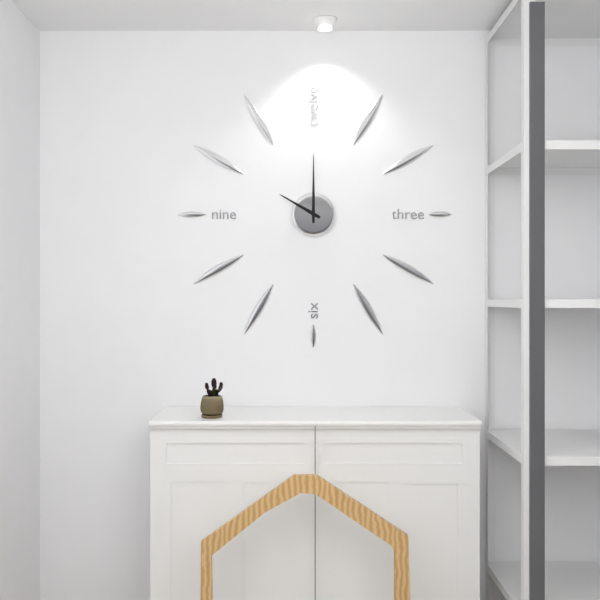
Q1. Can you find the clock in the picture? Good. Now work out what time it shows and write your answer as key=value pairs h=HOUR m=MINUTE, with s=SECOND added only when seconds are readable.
h=10 m=0
